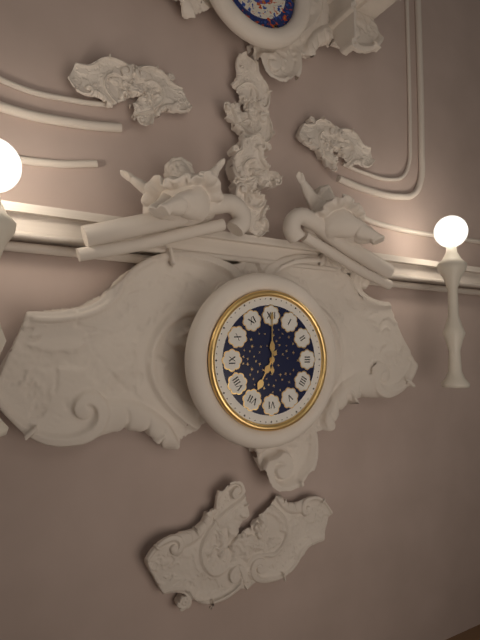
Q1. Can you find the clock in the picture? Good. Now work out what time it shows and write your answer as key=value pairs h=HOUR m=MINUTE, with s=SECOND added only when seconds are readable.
h=7 m=0
